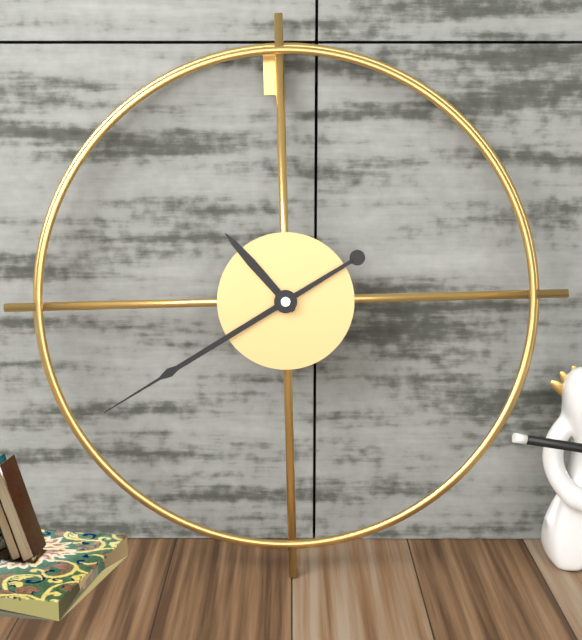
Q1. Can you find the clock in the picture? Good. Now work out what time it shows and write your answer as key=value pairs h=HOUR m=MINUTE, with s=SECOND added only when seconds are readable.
h=10 m=40
